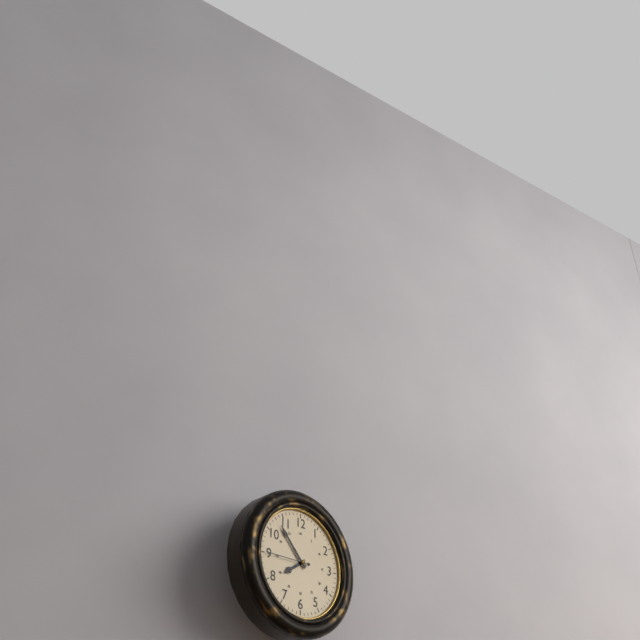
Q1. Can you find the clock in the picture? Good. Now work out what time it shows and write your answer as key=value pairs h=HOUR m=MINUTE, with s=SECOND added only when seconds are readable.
h=7 m=53
